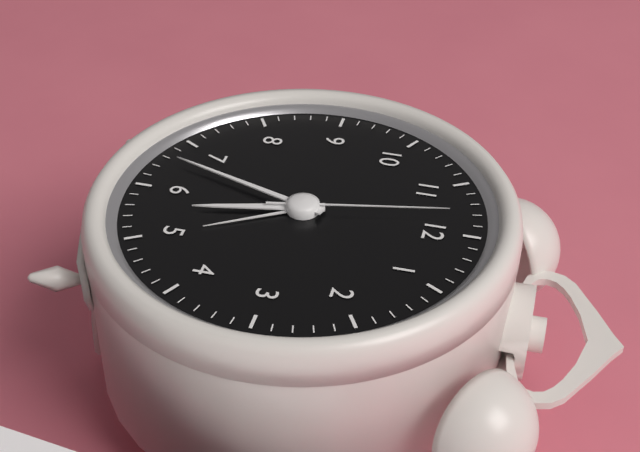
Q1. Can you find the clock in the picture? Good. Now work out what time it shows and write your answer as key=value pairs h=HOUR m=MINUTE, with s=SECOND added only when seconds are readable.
h=5 m=33 s=58
